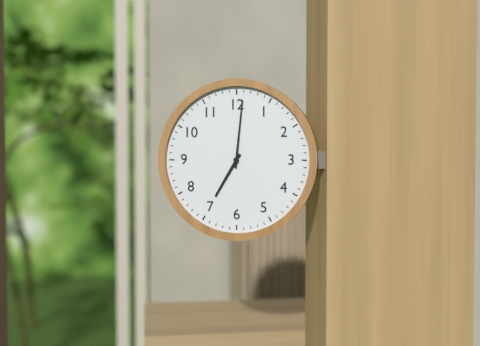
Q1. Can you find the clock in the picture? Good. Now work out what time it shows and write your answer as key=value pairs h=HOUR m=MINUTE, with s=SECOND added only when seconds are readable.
h=7 m=1
